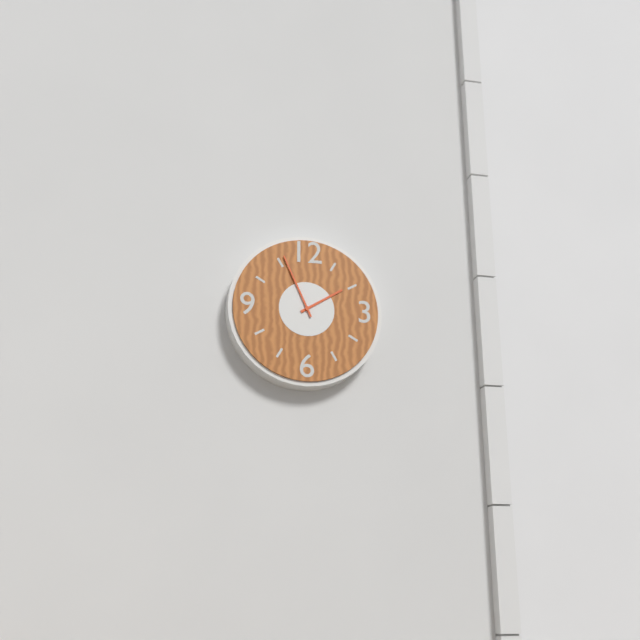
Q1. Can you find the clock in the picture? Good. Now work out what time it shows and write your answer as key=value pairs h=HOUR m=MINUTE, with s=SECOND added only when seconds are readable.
h=1 m=56
